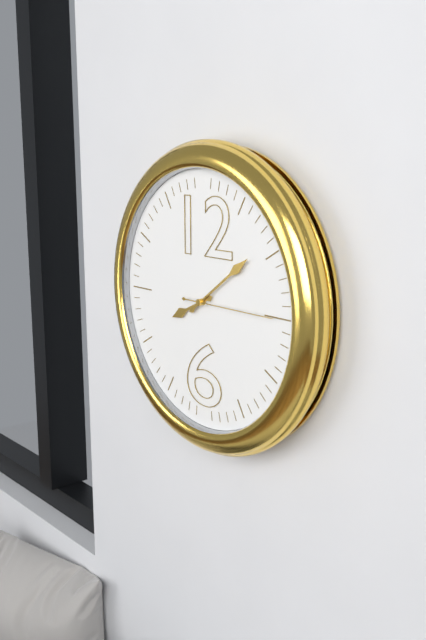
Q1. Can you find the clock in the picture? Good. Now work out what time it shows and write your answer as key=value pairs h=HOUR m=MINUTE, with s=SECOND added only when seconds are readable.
h=8 m=9 s=15
